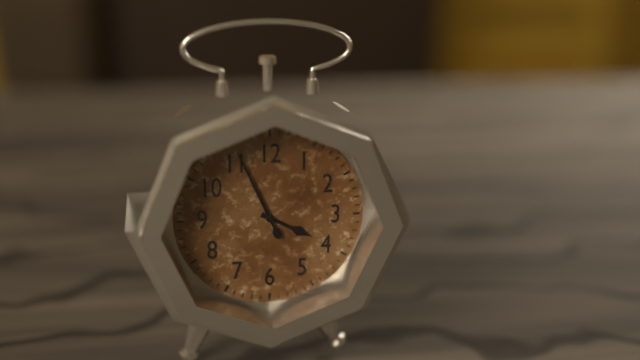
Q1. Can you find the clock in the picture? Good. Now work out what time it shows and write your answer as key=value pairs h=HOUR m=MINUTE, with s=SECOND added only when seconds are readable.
h=3 m=56
